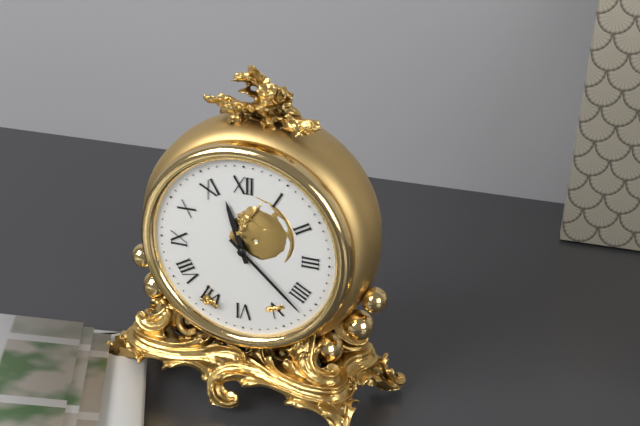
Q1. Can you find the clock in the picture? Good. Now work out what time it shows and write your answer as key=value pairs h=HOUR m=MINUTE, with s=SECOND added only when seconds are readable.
h=11 m=22
